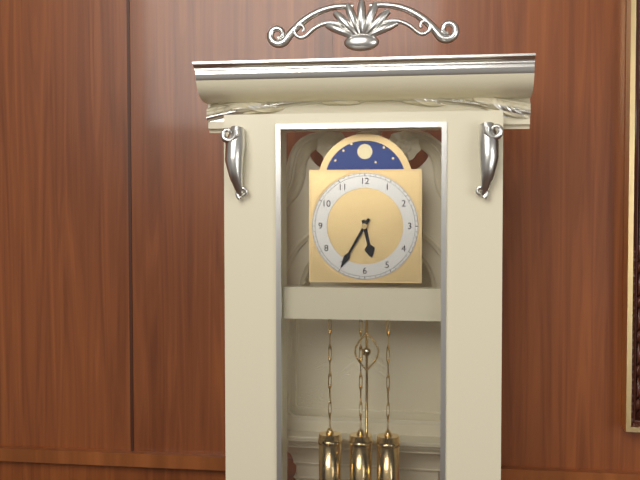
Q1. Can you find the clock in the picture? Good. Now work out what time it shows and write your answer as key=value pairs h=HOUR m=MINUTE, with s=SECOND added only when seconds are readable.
h=5 m=35
